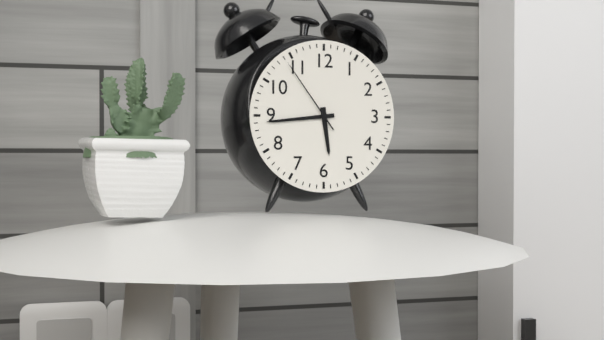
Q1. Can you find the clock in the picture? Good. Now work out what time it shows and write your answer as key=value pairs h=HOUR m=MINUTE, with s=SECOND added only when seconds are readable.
h=5 m=44 s=54
